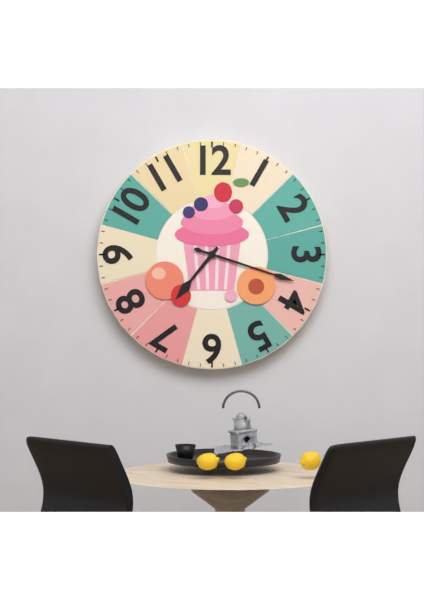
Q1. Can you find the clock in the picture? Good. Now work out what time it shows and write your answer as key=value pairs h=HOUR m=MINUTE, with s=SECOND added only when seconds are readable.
h=7 m=18
